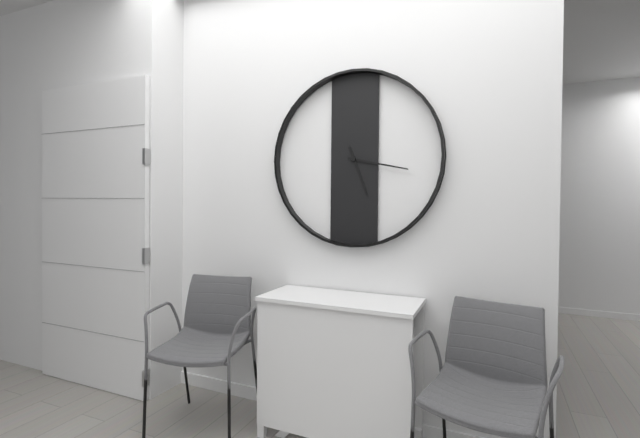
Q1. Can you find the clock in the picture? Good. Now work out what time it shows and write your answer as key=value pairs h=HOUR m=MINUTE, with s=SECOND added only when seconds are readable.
h=5 m=17
